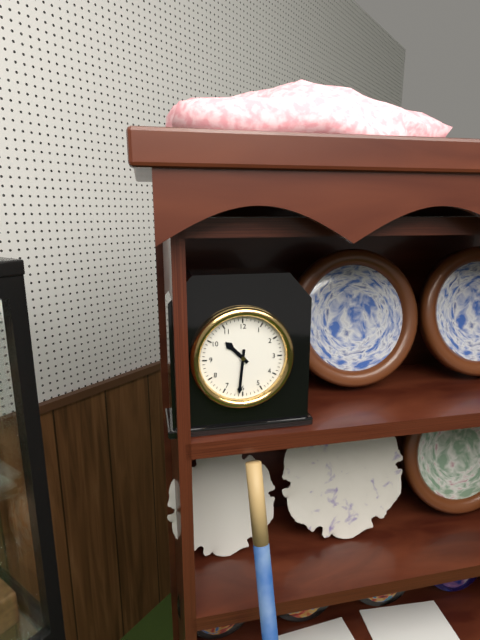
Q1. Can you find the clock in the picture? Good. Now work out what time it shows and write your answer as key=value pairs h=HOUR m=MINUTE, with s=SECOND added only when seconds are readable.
h=10 m=31
